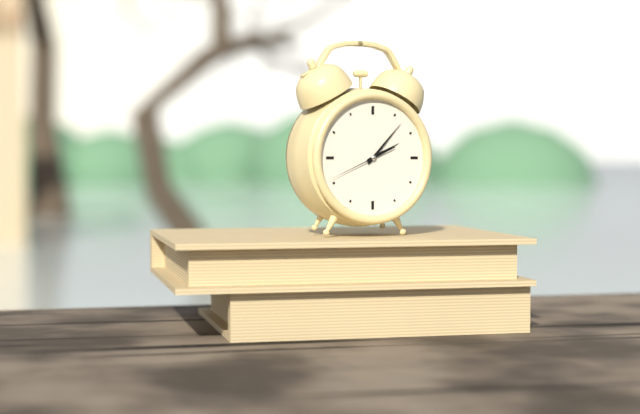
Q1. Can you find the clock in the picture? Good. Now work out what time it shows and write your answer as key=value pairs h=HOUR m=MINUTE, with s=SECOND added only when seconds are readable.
h=2 m=7 s=41
